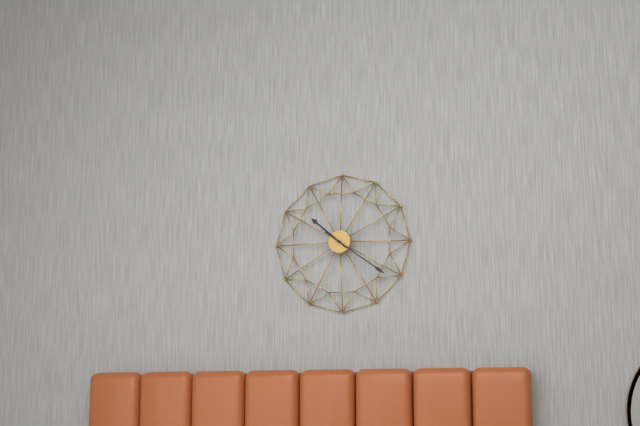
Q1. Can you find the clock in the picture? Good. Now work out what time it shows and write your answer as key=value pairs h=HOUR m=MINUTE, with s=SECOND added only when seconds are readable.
h=10 m=21
